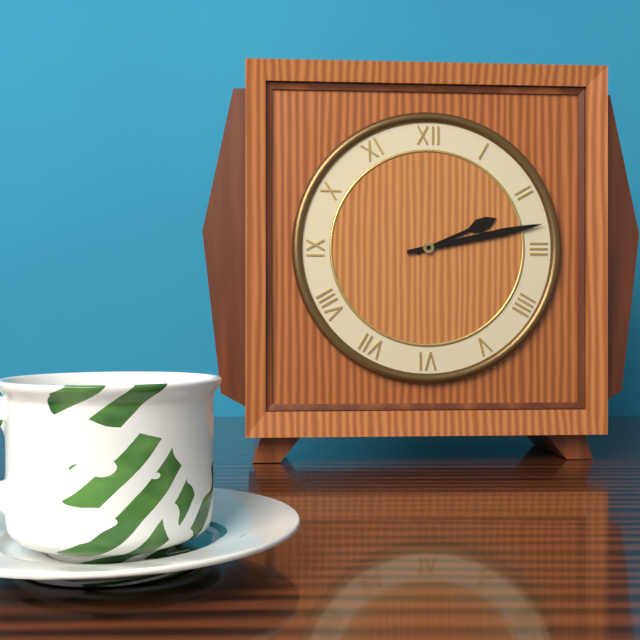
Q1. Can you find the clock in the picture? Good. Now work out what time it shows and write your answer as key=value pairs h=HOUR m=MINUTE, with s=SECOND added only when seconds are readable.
h=2 m=13
